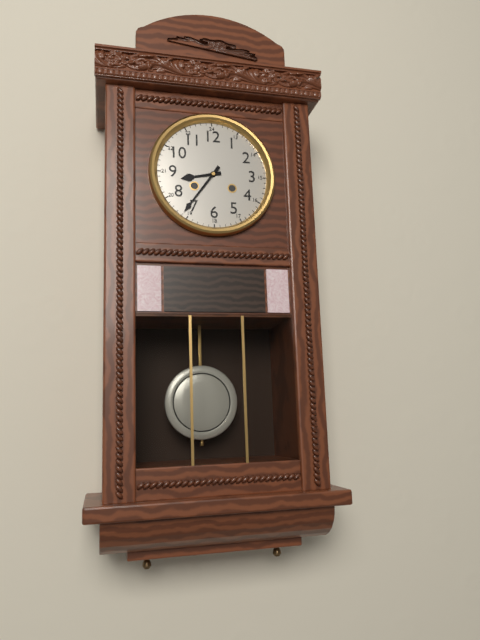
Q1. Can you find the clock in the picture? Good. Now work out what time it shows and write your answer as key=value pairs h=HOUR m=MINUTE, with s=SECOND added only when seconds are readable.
h=8 m=36
